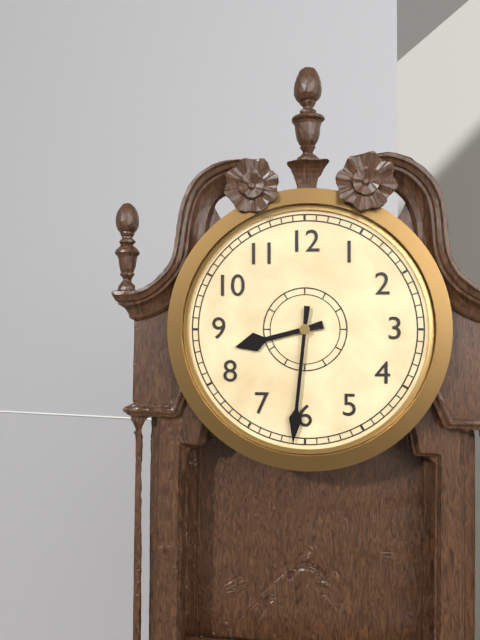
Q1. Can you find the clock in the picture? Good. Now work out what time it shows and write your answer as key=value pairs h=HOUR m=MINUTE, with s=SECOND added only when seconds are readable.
h=8 m=31
